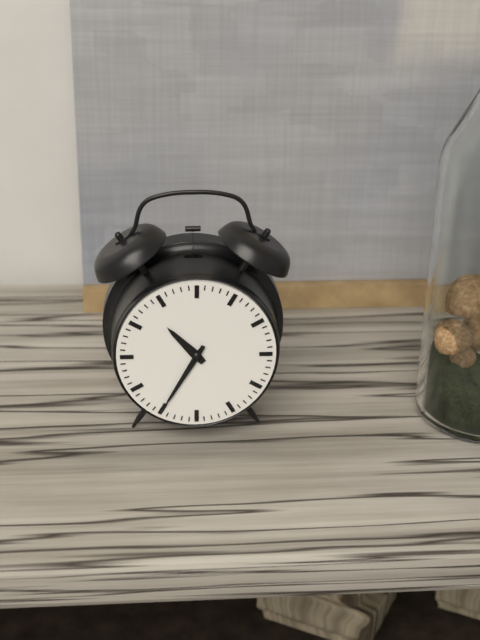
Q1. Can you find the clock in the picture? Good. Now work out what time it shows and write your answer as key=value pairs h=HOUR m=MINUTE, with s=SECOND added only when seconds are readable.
h=10 m=35
